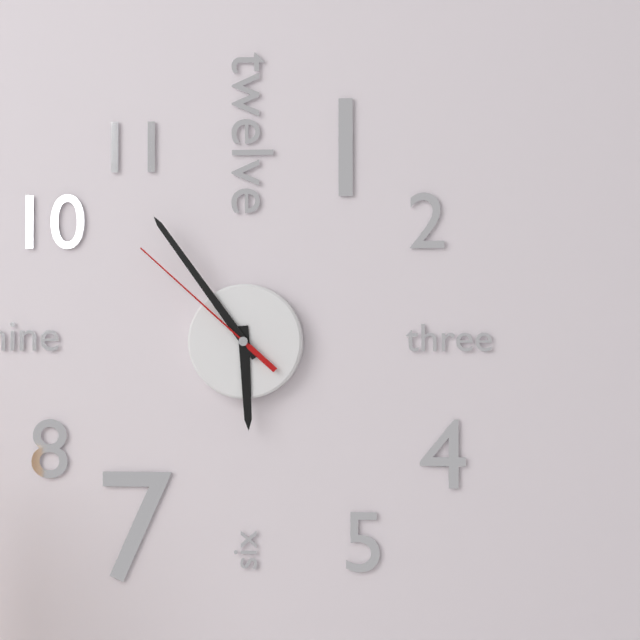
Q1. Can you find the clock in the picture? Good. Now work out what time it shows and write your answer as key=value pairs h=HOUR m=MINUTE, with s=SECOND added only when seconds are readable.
h=5 m=54 s=52
